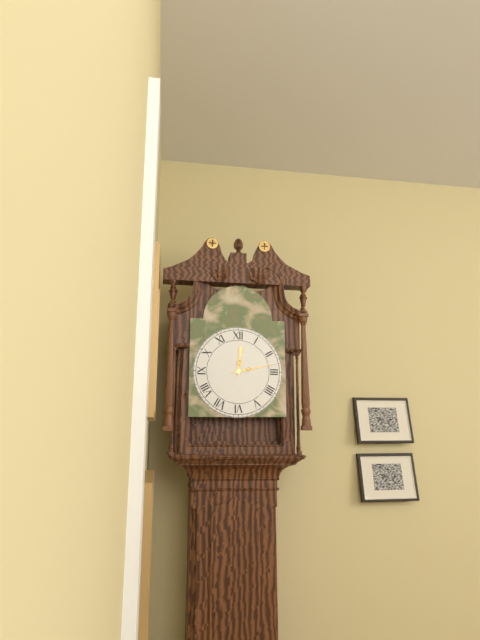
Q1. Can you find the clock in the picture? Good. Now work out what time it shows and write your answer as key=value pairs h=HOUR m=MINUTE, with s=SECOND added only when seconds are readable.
h=12 m=13
